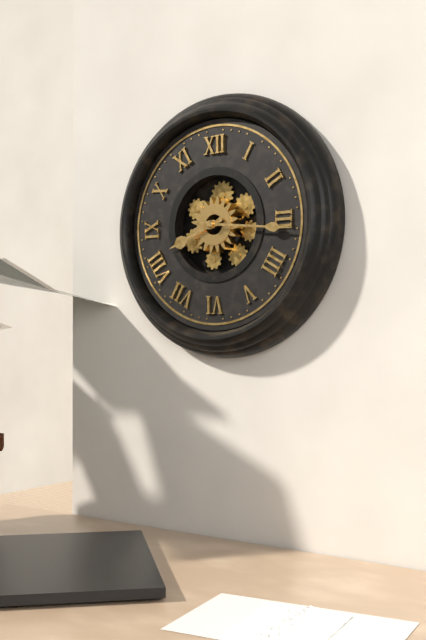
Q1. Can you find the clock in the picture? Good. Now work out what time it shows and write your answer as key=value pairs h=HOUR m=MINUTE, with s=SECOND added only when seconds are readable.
h=8 m=16
